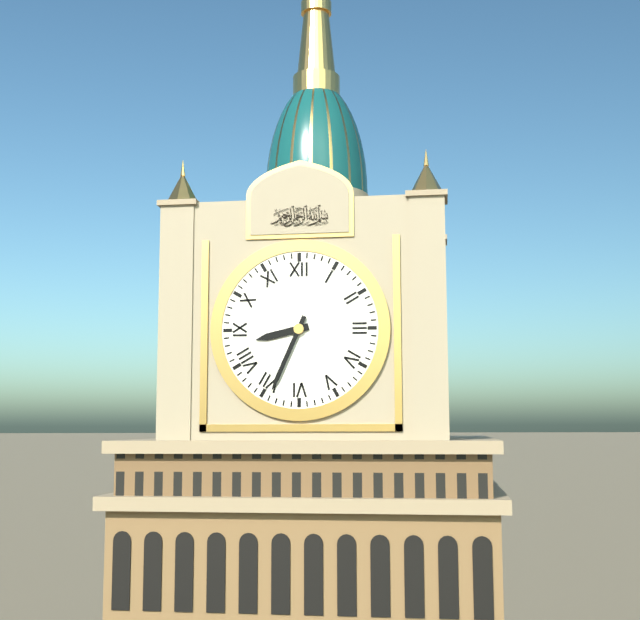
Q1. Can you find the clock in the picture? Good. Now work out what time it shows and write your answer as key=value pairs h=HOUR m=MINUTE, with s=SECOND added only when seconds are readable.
h=8 m=34
